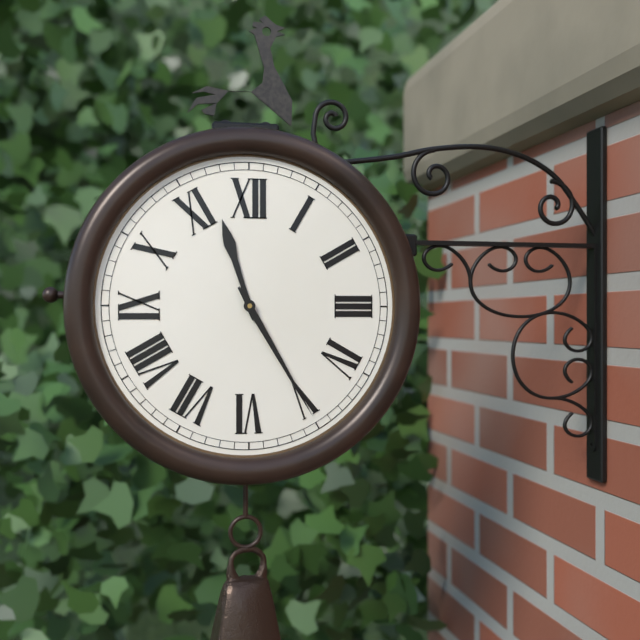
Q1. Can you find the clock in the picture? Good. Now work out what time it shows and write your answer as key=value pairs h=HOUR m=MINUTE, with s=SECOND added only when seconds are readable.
h=11 m=25
